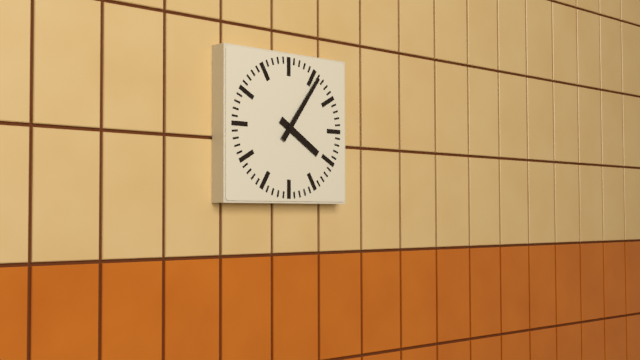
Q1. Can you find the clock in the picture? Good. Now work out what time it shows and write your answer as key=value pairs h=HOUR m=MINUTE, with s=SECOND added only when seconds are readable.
h=4 m=6
